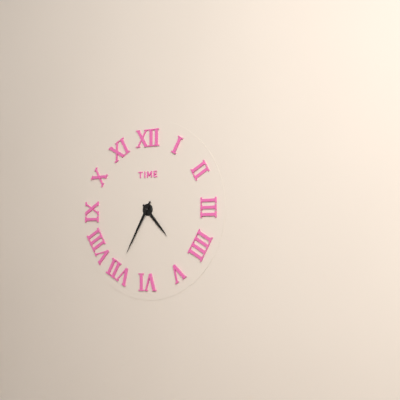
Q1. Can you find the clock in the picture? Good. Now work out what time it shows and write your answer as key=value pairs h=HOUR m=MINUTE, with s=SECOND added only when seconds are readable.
h=4 m=35
